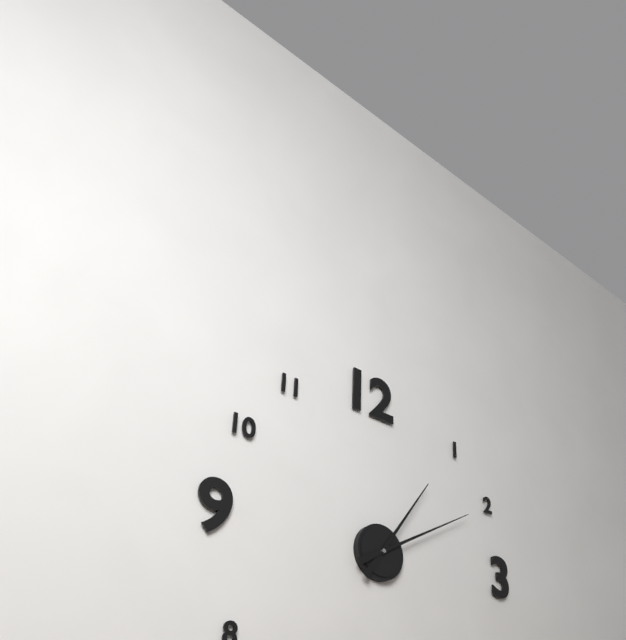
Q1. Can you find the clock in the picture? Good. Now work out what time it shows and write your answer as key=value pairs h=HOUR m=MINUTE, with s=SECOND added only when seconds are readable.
h=1 m=10
